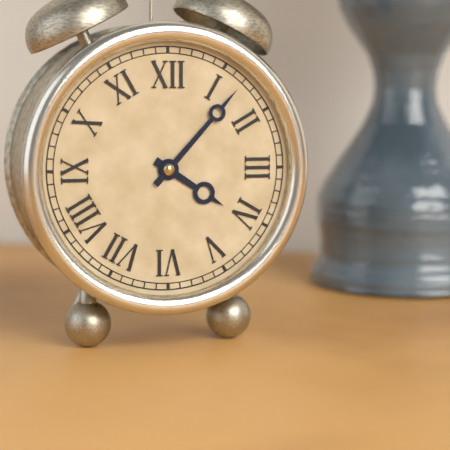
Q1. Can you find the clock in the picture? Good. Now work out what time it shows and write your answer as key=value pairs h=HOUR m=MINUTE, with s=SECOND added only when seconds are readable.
h=4 m=7
